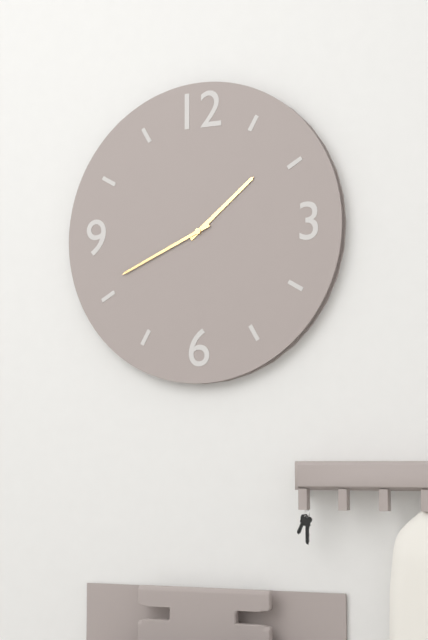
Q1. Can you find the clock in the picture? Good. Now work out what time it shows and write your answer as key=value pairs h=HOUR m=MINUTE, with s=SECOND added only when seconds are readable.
h=1 m=41
